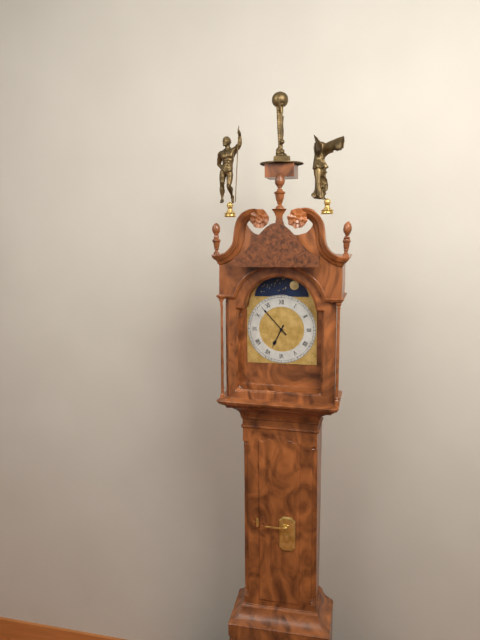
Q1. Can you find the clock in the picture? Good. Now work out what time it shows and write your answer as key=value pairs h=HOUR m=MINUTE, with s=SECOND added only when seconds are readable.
h=6 m=53
